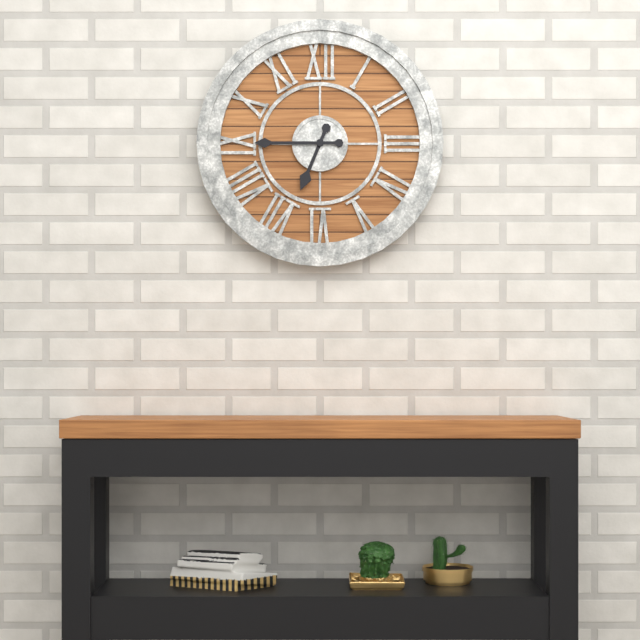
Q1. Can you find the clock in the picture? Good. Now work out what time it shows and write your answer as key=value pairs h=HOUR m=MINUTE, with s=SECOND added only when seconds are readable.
h=6 m=45
